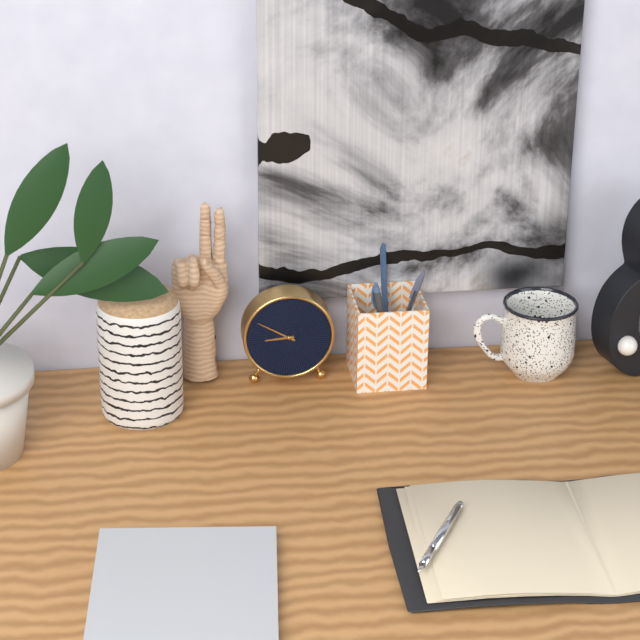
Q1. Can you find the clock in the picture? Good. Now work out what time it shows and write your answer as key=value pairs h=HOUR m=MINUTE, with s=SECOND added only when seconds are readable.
h=8 m=50
